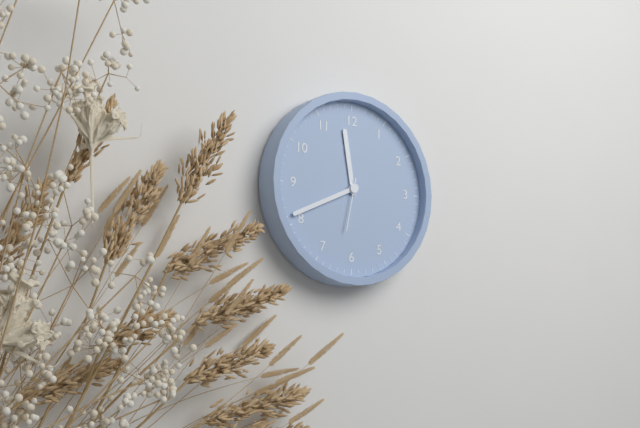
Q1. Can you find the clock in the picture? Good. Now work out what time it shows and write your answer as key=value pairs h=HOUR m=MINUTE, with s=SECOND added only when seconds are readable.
h=11 m=41 s=32
